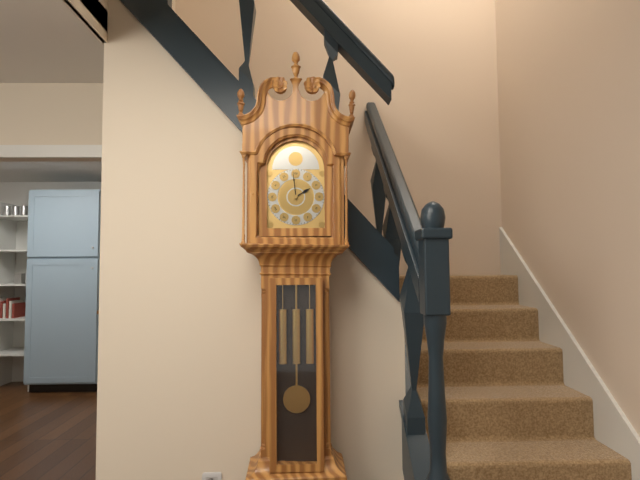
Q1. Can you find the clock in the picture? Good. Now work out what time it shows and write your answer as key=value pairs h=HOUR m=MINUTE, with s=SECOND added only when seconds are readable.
h=1 m=59
